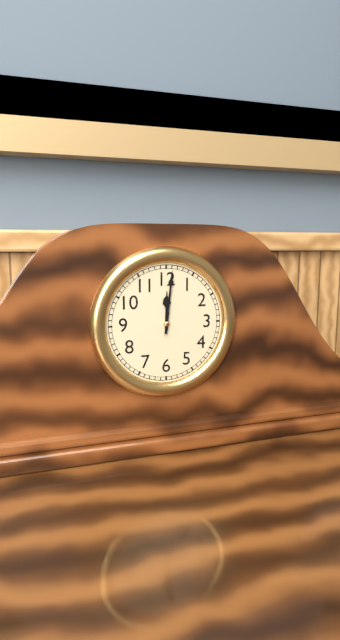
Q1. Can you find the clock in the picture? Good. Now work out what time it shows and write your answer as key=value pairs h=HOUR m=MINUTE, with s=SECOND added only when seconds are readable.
h=12 m=1
